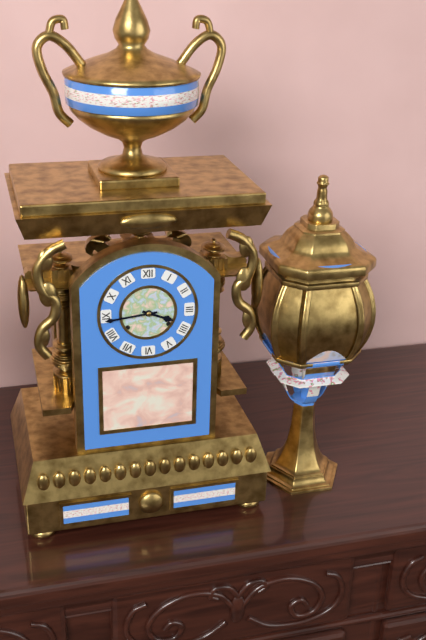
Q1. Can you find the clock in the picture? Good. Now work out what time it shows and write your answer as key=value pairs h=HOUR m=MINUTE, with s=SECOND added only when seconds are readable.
h=3 m=44
